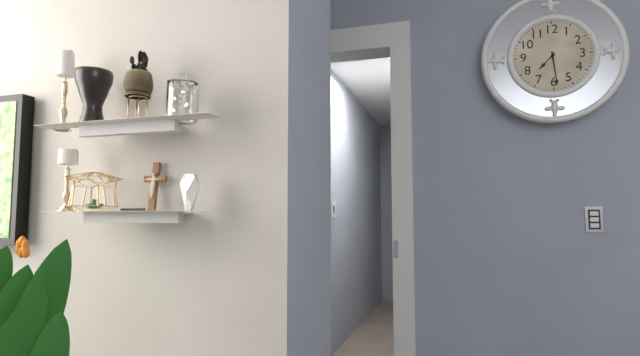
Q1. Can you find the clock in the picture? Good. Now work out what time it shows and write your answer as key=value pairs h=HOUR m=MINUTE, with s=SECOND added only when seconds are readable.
h=7 m=29
